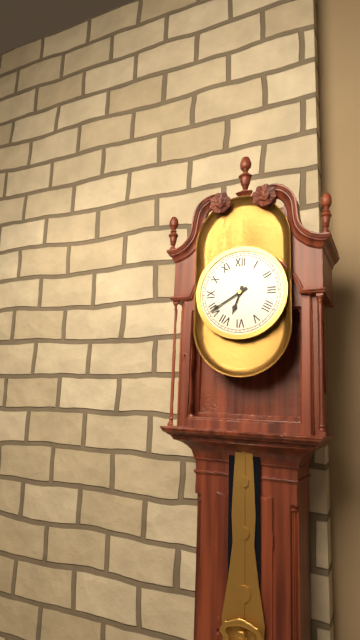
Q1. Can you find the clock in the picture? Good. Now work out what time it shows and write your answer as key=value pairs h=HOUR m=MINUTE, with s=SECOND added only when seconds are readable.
h=6 m=40
